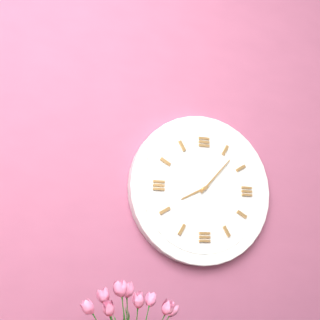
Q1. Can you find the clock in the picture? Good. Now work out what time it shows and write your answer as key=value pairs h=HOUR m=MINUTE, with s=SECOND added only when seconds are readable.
h=8 m=7
